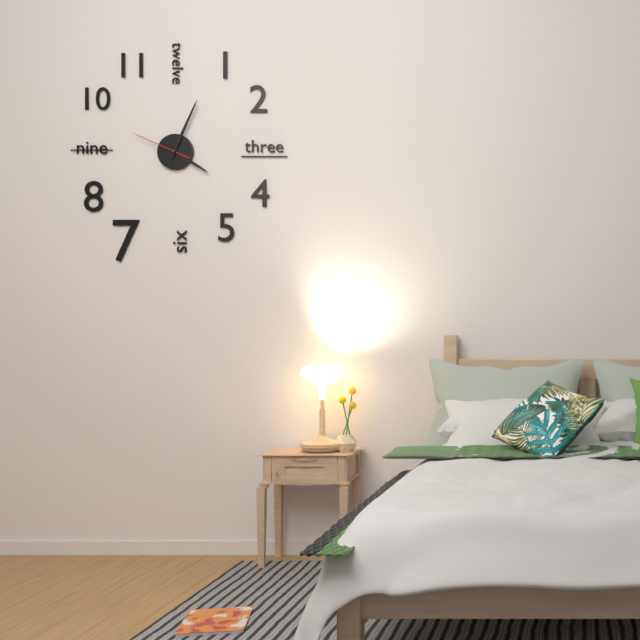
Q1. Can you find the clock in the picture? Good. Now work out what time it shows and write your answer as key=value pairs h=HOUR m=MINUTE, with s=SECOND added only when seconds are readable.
h=4 m=4 s=49
